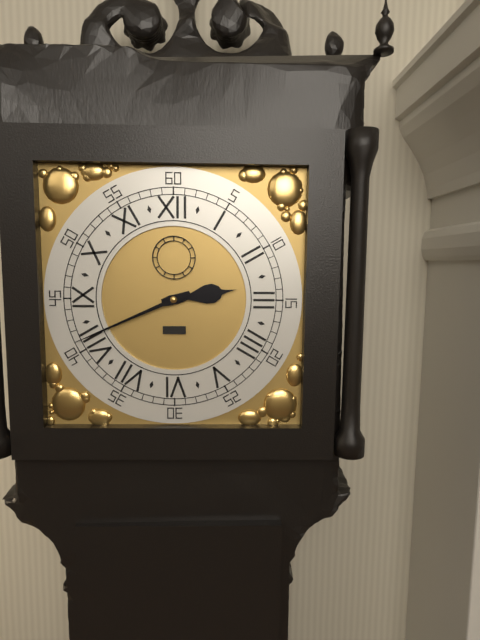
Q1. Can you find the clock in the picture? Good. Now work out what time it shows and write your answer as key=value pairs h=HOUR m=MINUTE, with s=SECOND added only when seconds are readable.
h=2 m=41
